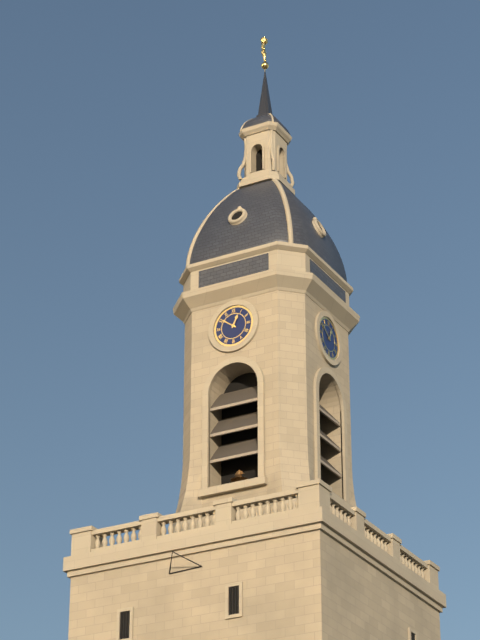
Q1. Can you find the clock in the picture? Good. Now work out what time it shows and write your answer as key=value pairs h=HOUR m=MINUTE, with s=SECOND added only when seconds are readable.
h=12 m=51
